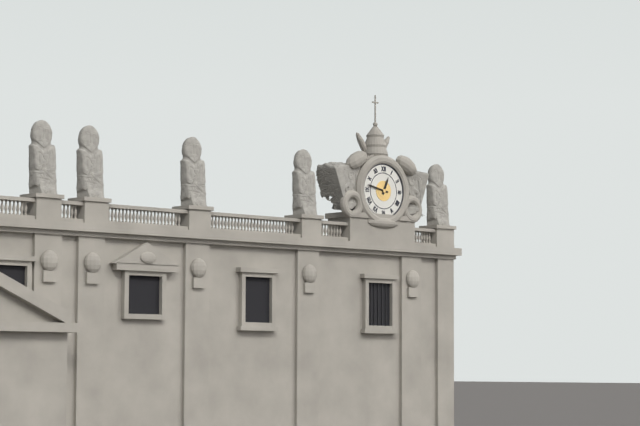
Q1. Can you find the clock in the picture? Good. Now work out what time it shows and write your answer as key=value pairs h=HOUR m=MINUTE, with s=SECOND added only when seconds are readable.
h=12 m=47
